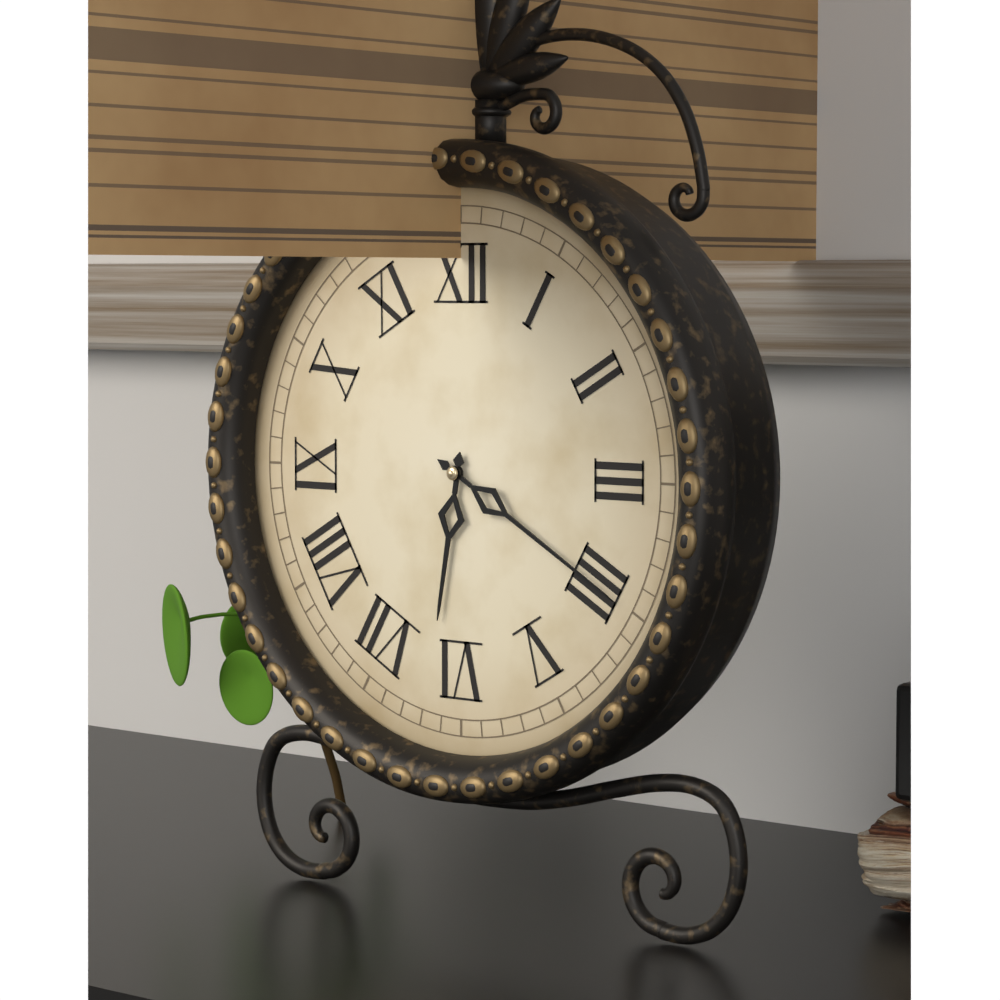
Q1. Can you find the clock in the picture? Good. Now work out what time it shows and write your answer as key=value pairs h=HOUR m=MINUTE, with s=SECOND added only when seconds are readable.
h=6 m=20
